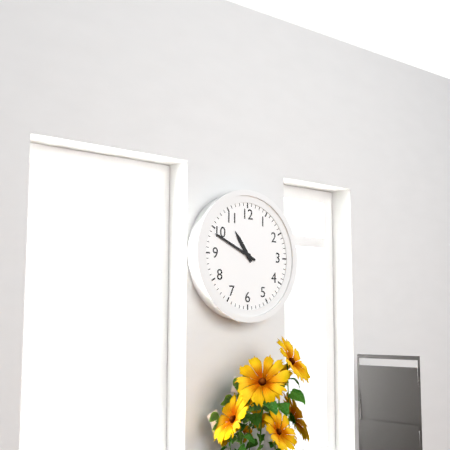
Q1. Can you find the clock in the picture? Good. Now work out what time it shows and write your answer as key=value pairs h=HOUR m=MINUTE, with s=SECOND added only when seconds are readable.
h=10 m=49
